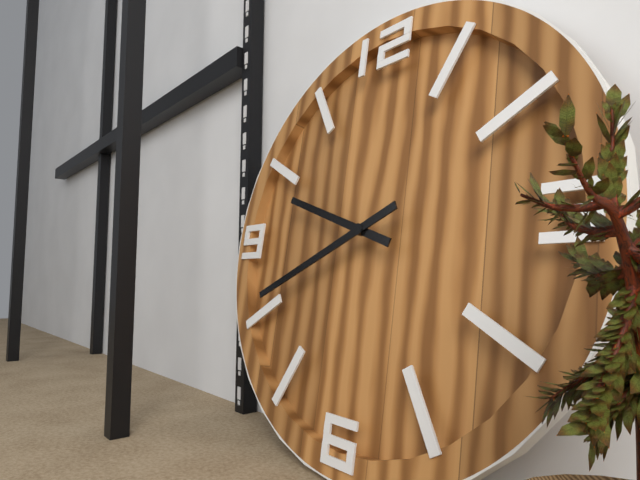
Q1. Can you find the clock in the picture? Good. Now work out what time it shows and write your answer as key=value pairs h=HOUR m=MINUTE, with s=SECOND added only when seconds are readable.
h=9 m=41
